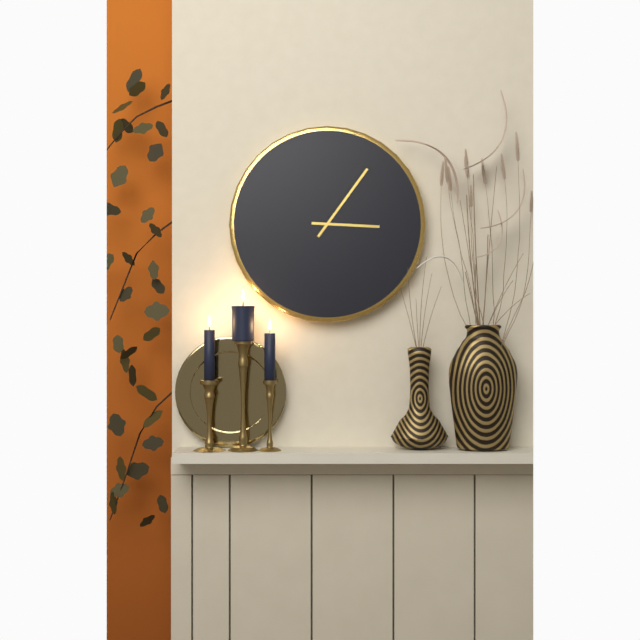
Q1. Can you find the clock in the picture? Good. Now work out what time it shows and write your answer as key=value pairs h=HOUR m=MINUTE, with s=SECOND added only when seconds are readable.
h=3 m=6
